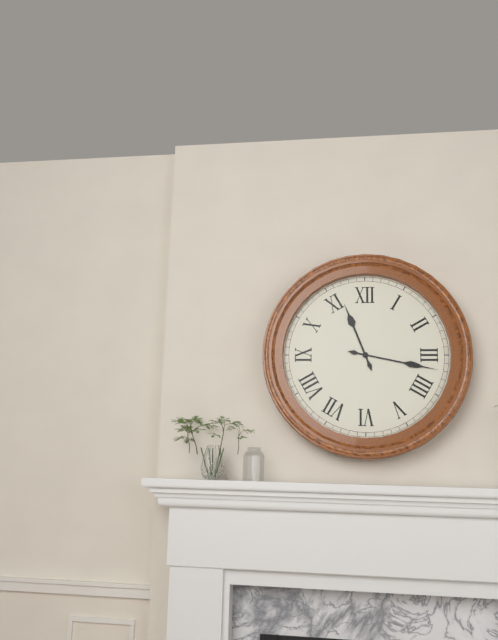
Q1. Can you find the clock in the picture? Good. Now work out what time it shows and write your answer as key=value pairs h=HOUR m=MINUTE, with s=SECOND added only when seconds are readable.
h=11 m=17
